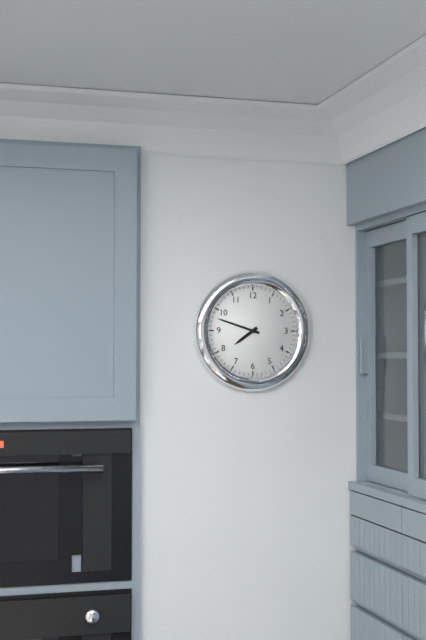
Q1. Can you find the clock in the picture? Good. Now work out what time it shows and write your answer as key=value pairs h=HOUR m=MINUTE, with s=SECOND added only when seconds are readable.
h=7 m=48
